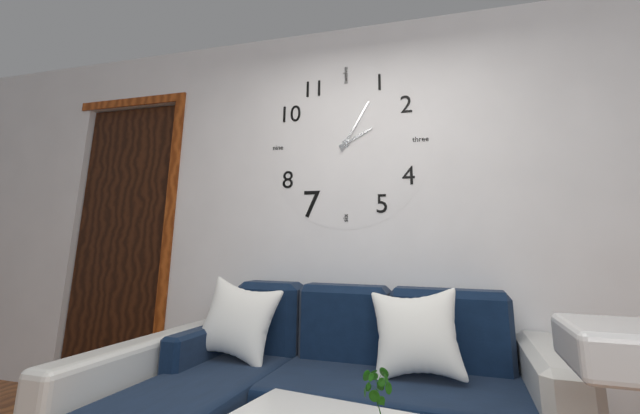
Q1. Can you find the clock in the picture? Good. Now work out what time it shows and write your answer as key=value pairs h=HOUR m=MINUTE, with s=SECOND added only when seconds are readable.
h=2 m=5
